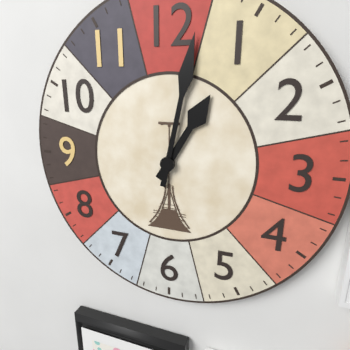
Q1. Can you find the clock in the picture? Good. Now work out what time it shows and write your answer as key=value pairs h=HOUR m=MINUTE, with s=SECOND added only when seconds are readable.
h=1 m=2
